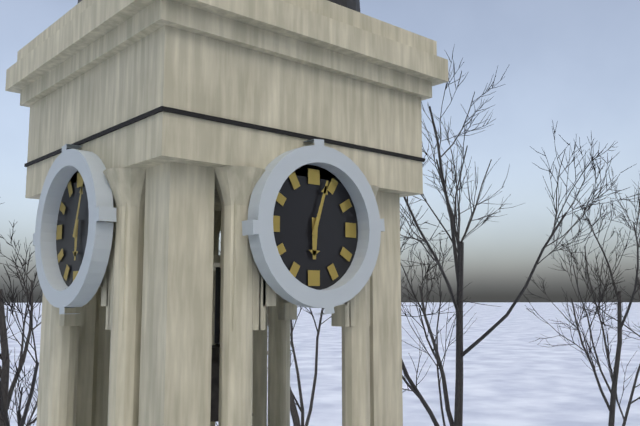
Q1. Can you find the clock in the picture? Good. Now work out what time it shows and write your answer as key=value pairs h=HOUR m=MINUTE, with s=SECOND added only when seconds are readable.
h=6 m=3
